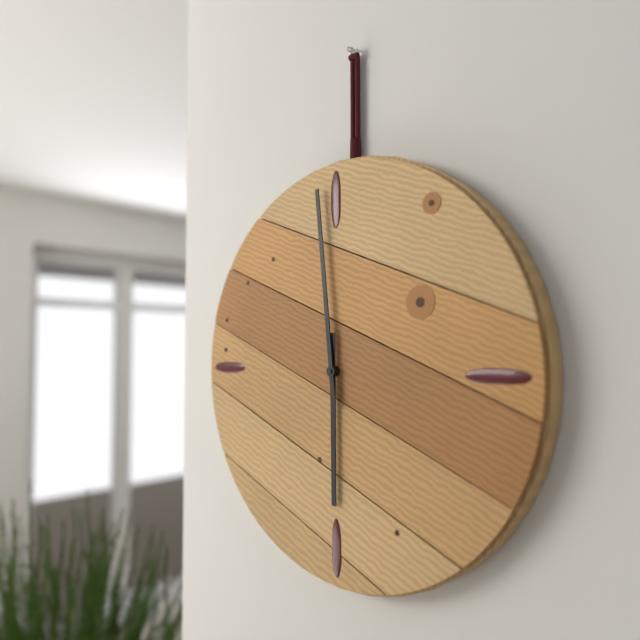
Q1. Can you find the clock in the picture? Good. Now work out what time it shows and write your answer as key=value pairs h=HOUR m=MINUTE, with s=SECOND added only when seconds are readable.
h=5 m=59
